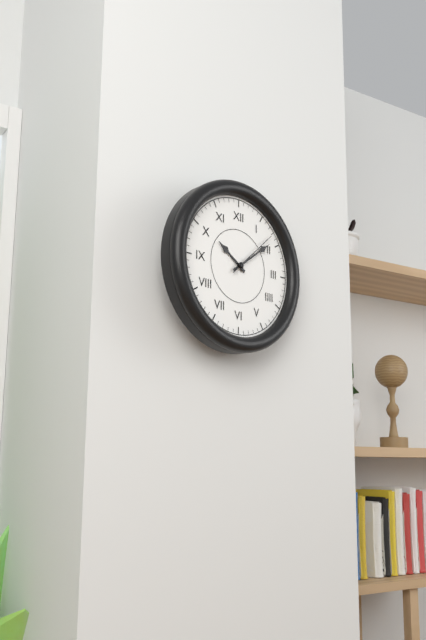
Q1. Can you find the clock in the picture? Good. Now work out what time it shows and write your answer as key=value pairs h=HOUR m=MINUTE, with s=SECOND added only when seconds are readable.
h=10 m=9 s=8
